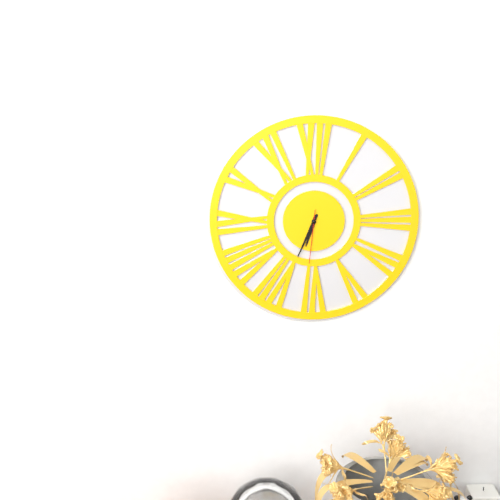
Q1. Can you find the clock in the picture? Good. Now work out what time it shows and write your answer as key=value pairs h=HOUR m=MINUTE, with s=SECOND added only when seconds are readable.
h=6 m=34 s=31
